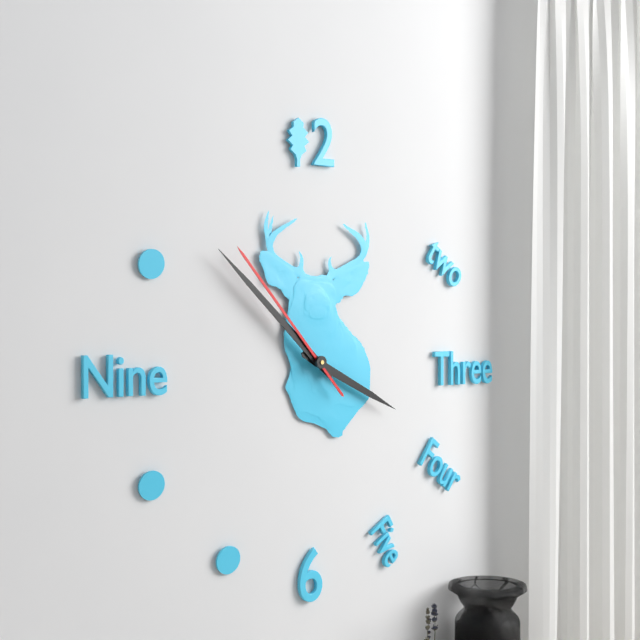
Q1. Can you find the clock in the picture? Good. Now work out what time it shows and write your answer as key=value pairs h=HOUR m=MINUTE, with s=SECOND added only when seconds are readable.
h=3 m=52 s=53
